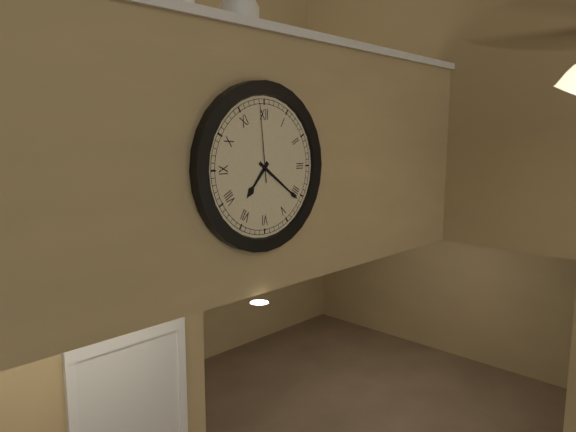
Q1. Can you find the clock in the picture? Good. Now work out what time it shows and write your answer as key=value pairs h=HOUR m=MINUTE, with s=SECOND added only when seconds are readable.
h=7 m=21 s=59
